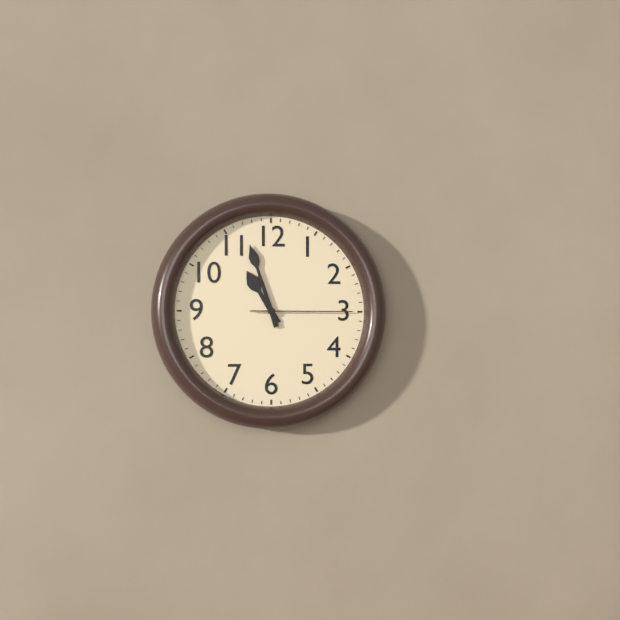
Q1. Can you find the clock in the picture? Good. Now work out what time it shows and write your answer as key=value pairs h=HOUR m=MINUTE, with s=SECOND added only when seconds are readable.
h=10 m=57 s=15
